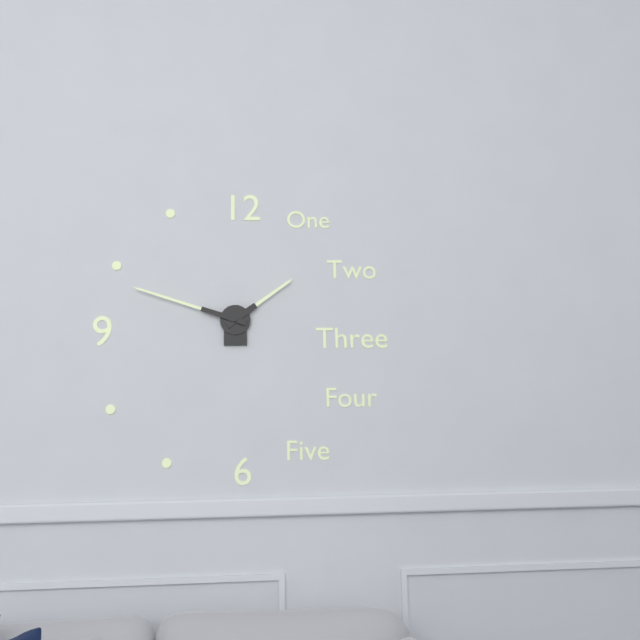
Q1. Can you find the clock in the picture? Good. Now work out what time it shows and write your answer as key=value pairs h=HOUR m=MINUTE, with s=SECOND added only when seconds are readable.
h=1 m=48
